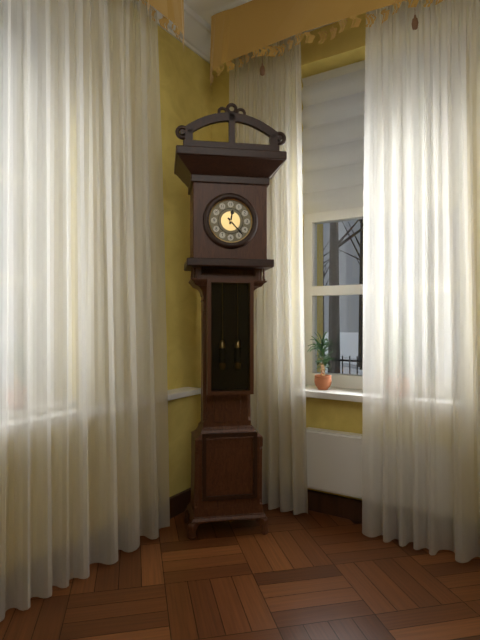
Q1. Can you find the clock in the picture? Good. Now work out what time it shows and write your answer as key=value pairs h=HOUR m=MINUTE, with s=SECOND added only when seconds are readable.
h=12 m=23
